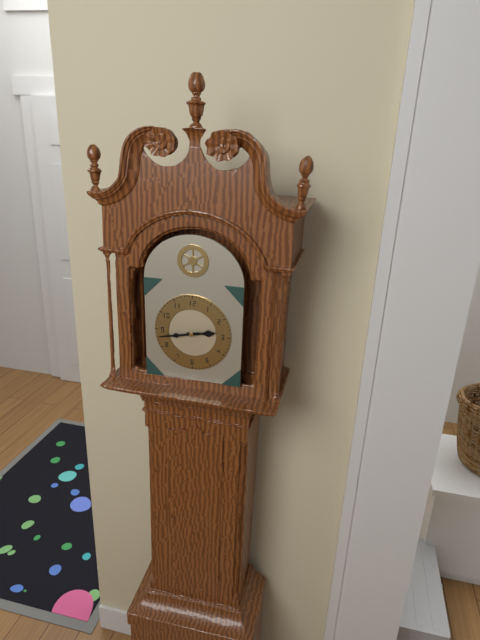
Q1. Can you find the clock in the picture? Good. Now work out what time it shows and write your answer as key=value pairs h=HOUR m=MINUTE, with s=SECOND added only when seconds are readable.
h=2 m=43
